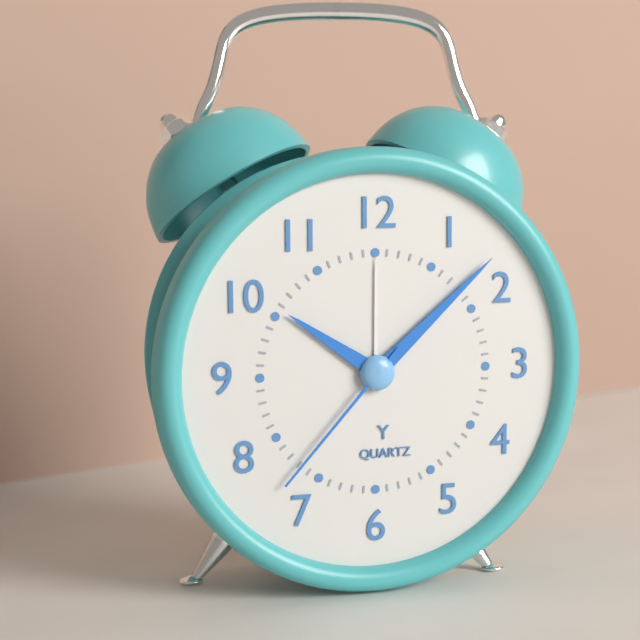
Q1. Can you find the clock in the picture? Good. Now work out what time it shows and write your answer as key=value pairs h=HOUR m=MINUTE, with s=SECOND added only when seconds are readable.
h=10 m=8 s=37
